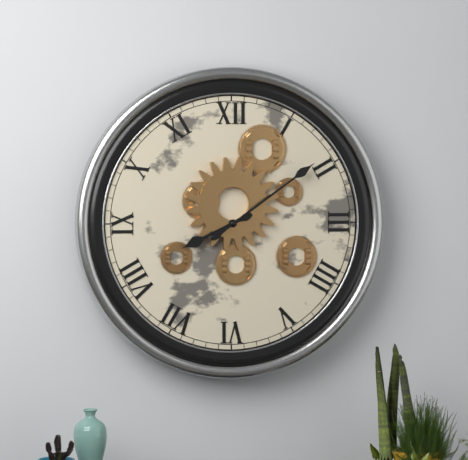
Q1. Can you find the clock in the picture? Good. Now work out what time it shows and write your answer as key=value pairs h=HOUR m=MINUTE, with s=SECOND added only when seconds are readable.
h=8 m=9
